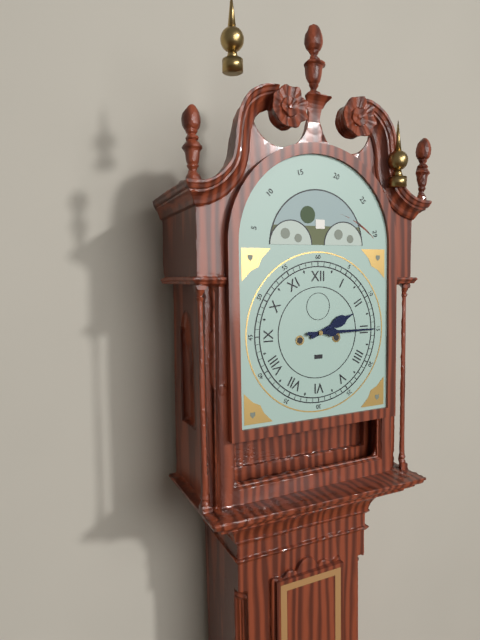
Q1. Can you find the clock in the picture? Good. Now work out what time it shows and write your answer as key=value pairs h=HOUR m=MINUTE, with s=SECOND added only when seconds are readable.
h=2 m=15
